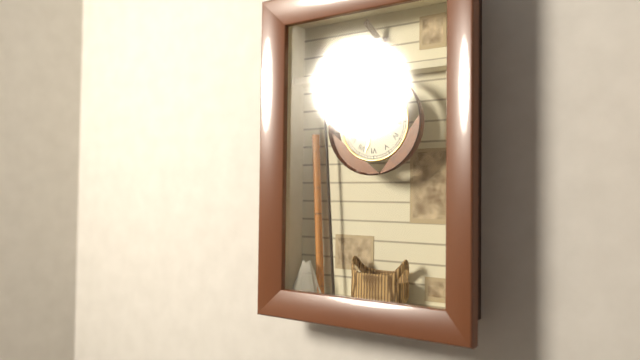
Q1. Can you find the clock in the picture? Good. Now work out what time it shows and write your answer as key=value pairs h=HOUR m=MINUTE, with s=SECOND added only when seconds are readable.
h=12 m=33
